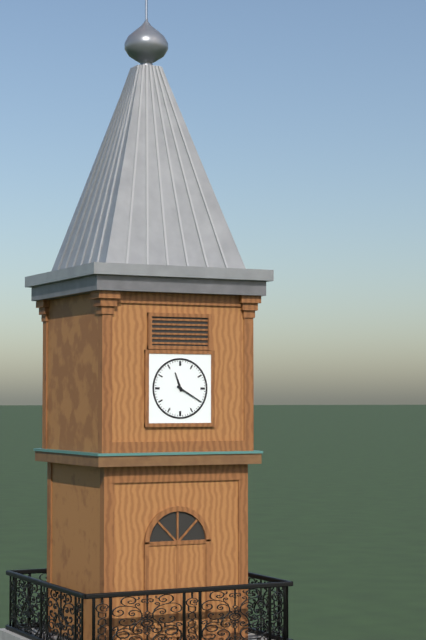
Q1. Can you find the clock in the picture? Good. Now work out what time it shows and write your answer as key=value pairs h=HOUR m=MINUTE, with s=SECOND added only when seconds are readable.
h=11 m=20
